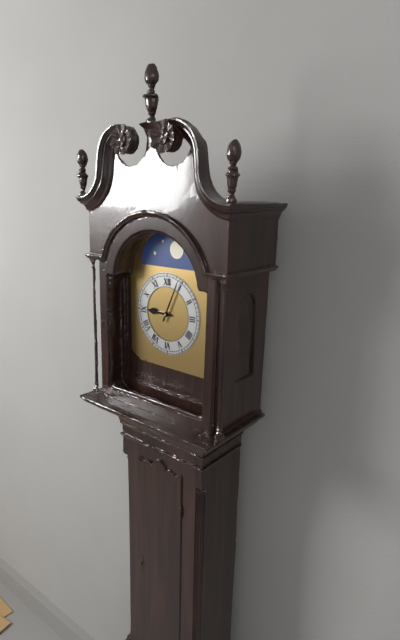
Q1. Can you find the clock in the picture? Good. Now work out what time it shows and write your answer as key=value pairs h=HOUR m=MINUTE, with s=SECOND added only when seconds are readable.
h=9 m=4
